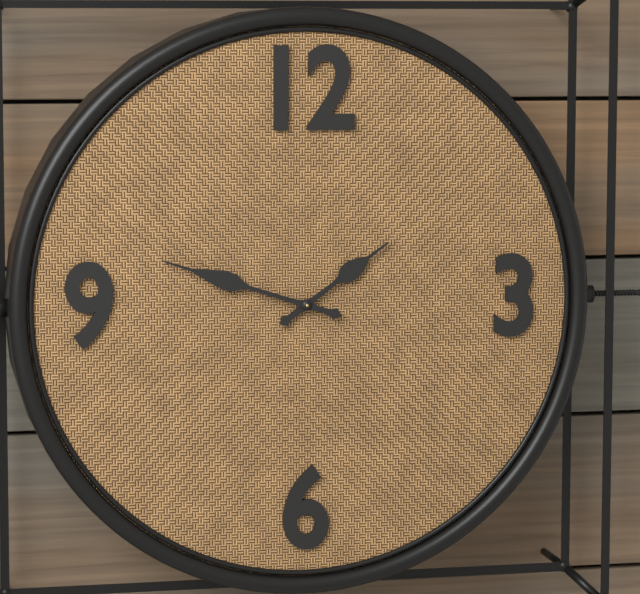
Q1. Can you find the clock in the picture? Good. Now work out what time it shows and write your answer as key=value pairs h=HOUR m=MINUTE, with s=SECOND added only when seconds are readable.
h=1 m=48
